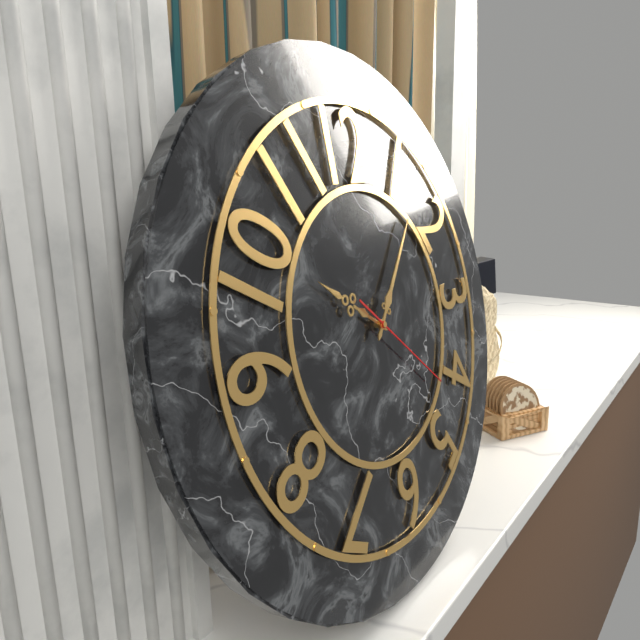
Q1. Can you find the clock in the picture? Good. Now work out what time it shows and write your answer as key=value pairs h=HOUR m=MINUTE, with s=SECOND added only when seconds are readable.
h=10 m=7 s=22
